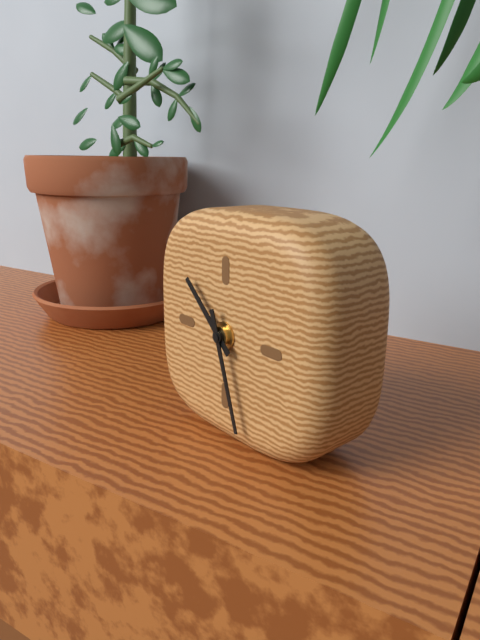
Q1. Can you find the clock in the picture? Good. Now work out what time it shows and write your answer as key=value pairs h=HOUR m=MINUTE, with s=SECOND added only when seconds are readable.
h=10 m=27
